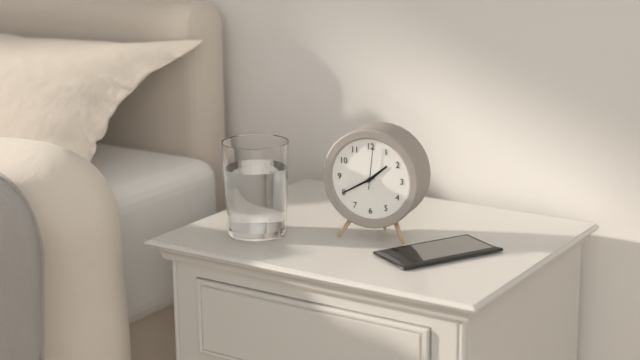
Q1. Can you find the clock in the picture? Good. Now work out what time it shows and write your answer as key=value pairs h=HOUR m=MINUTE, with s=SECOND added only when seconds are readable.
h=1 m=40
